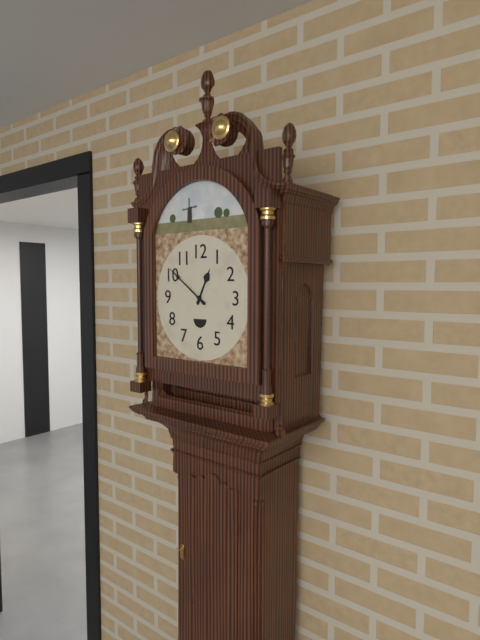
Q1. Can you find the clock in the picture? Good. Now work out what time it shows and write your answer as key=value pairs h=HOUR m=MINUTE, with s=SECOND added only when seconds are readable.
h=12 m=51
